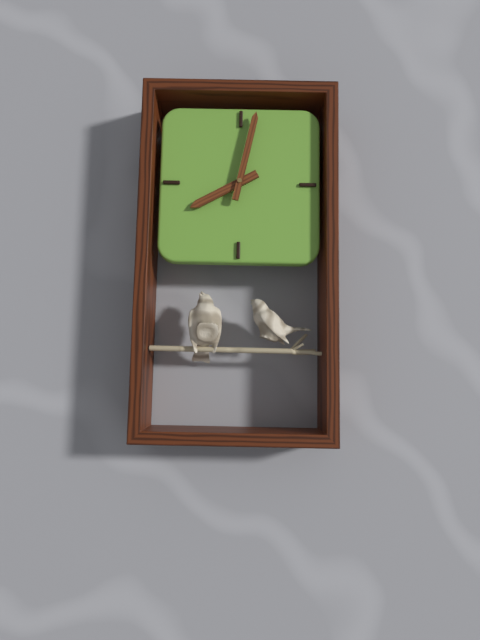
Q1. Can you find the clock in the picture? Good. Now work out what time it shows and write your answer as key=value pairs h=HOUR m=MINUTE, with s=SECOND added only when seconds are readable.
h=8 m=2
